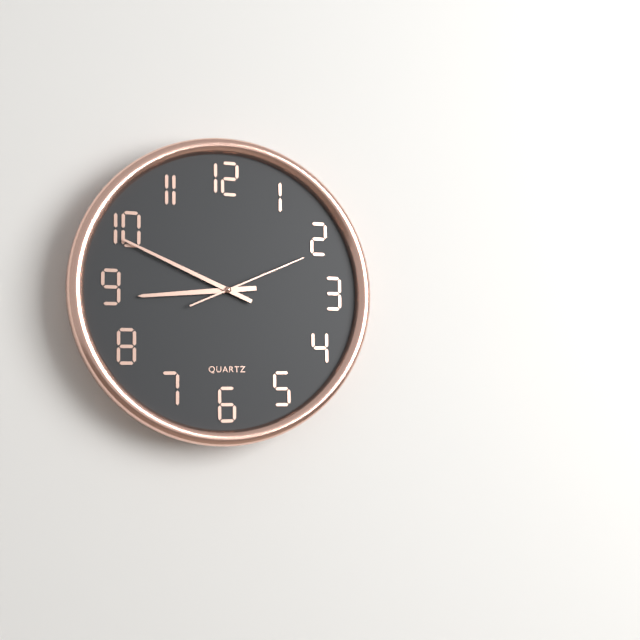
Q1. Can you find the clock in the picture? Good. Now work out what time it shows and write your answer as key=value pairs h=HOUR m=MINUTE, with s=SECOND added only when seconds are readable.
h=8 m=49 s=11
